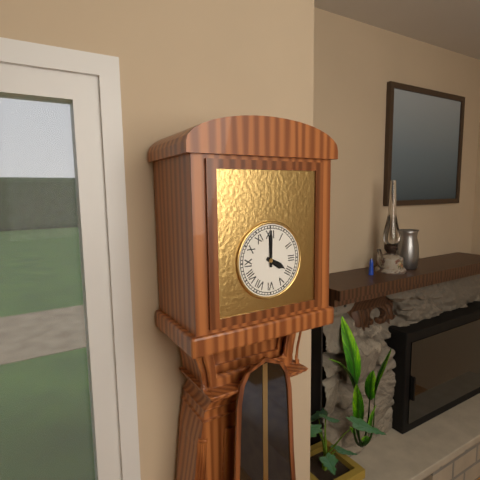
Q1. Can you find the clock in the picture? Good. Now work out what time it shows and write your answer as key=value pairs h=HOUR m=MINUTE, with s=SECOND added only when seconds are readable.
h=4 m=0
